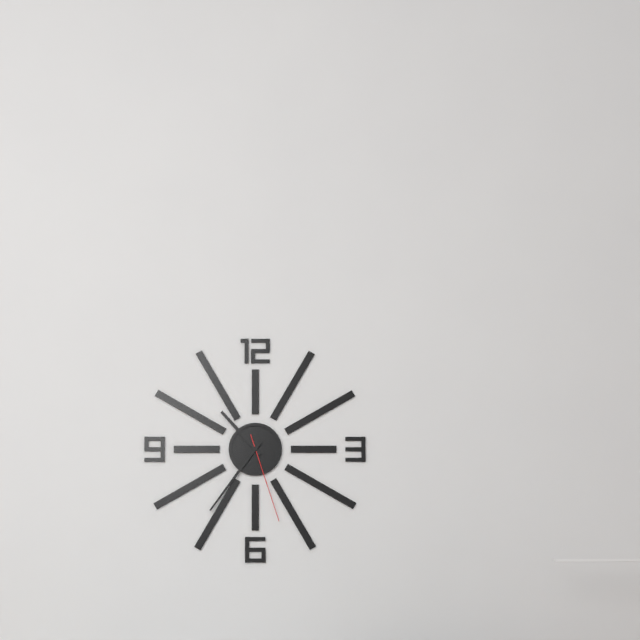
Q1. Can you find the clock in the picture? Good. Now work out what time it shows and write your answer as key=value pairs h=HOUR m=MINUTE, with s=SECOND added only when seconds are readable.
h=10 m=36 s=27
